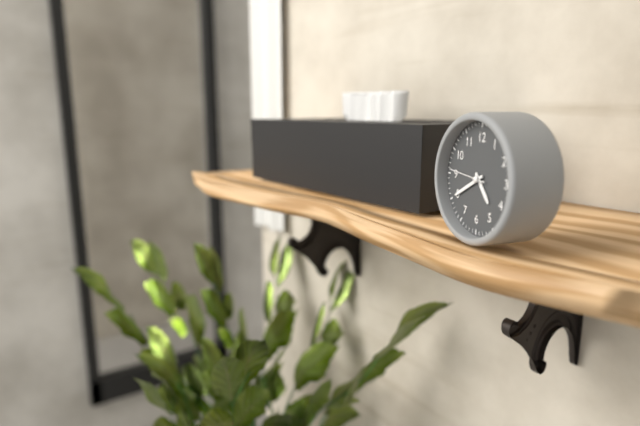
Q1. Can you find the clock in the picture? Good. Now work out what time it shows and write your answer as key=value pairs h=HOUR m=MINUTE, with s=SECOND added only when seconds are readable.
h=4 m=40
